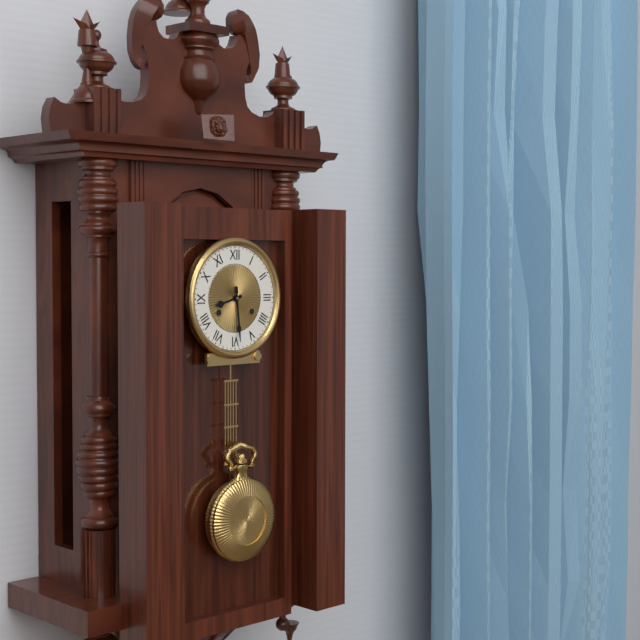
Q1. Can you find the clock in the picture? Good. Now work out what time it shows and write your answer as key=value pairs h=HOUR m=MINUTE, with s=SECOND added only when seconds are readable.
h=8 m=29
